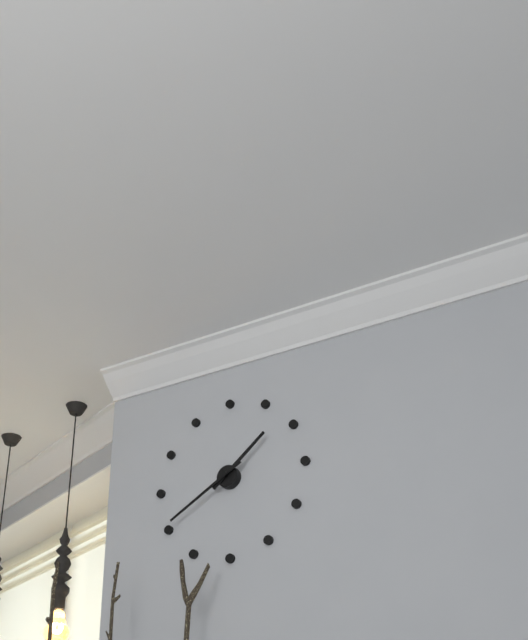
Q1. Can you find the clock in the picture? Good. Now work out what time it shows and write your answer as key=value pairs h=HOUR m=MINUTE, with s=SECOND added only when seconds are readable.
h=1 m=40
